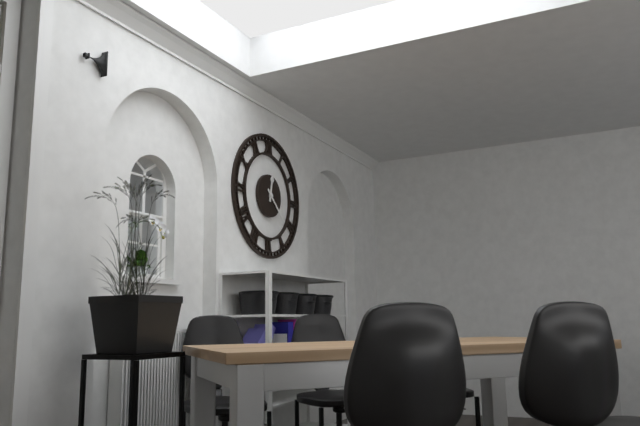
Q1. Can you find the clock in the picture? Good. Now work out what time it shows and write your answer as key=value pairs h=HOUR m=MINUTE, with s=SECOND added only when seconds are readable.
h=12 m=22
